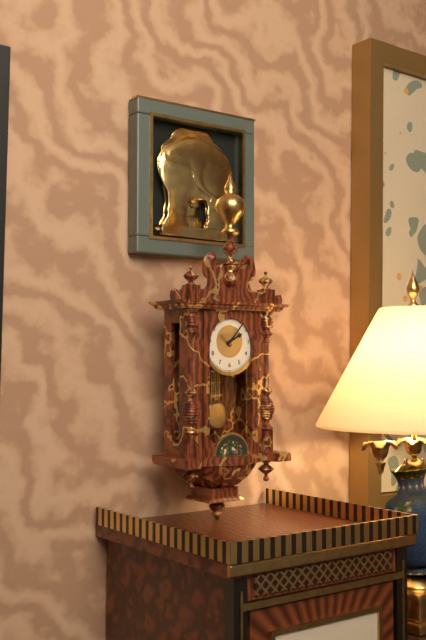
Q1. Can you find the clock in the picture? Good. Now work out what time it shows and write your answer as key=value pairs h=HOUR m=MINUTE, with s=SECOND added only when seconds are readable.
h=2 m=7
